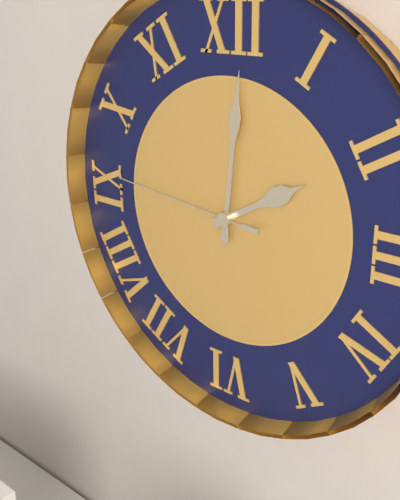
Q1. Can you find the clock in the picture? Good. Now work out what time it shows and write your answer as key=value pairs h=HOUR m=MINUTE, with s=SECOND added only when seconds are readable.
h=2 m=1 s=46
